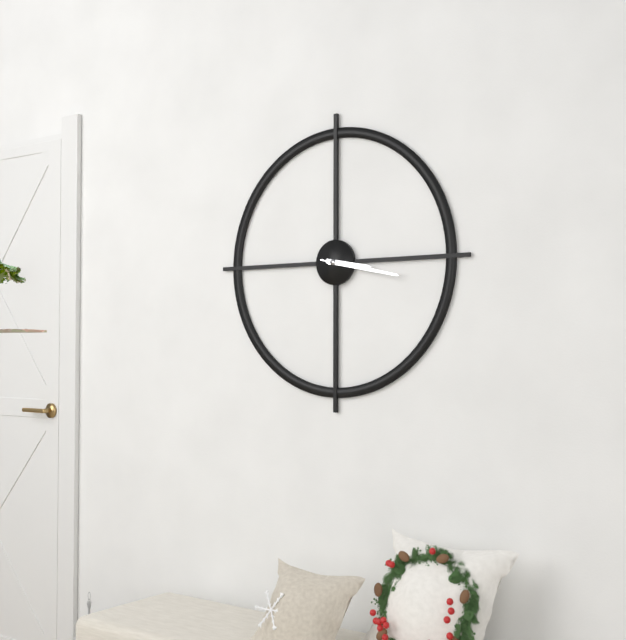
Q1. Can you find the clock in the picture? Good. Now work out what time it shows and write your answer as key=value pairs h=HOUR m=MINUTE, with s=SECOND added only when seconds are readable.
h=3 m=17 s=17
